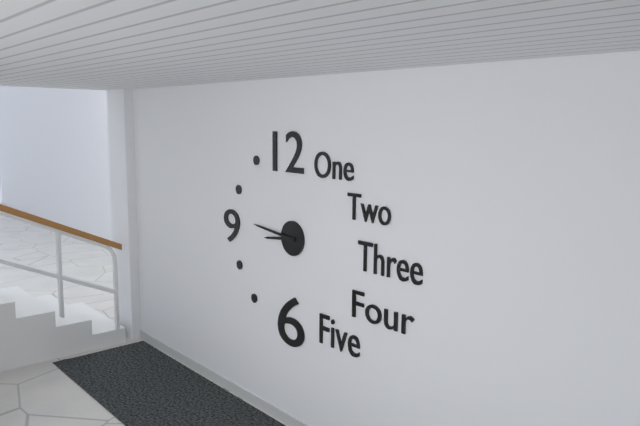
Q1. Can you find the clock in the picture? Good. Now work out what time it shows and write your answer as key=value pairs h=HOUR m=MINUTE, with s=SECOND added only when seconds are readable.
h=8 m=46
